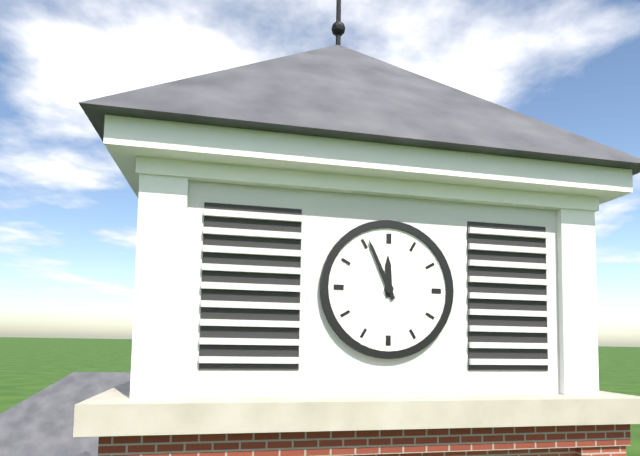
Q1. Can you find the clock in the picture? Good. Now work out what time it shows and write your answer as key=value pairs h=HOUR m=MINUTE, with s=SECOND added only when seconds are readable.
h=11 m=56
